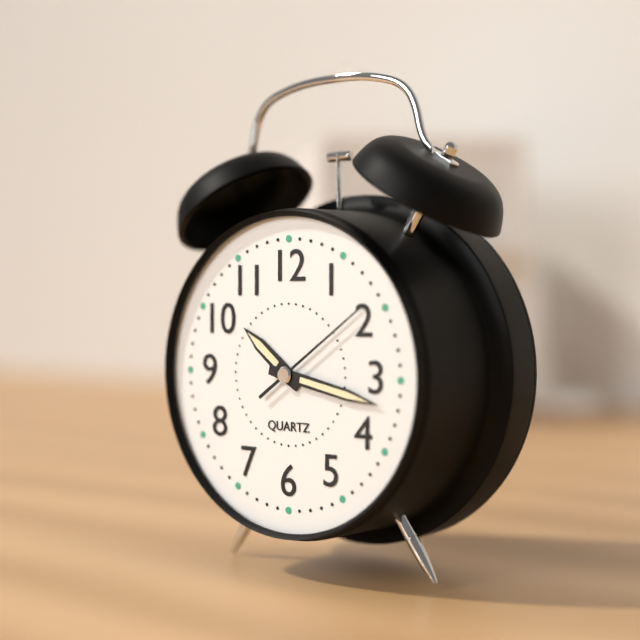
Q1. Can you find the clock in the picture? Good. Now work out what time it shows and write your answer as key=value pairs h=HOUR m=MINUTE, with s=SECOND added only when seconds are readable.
h=10 m=17 s=9
